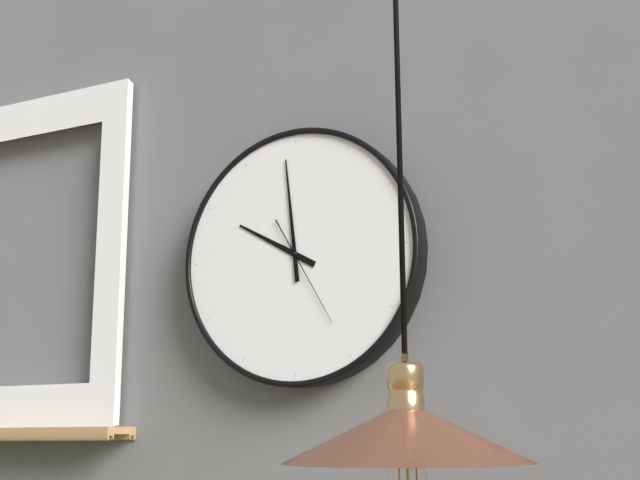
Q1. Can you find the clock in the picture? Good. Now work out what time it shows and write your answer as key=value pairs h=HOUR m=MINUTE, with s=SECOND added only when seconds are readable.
h=9 m=59 s=25
